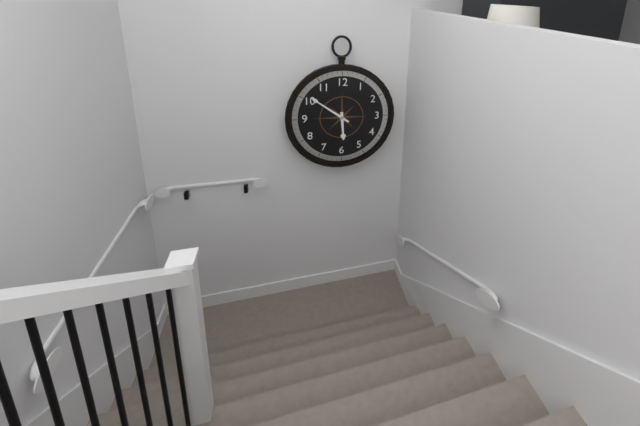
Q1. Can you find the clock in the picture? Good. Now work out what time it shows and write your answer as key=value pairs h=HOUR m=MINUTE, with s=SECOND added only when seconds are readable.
h=5 m=51
